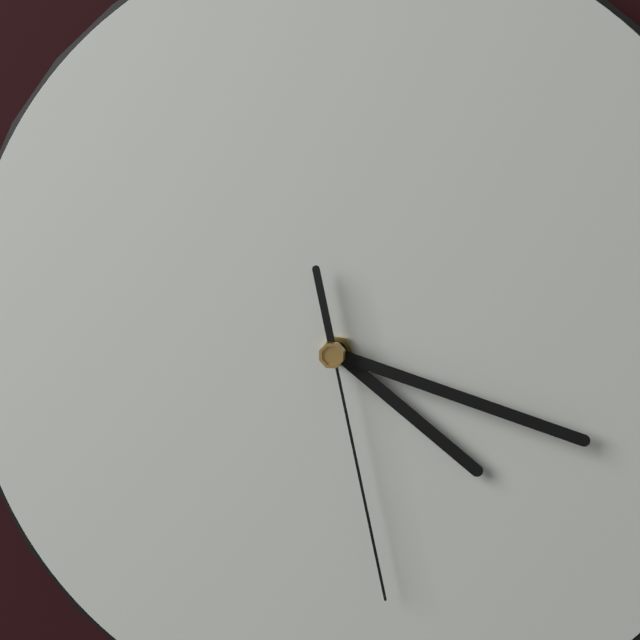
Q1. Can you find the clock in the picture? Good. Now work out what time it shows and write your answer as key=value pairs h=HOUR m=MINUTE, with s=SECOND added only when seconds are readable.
h=4 m=18 s=28
